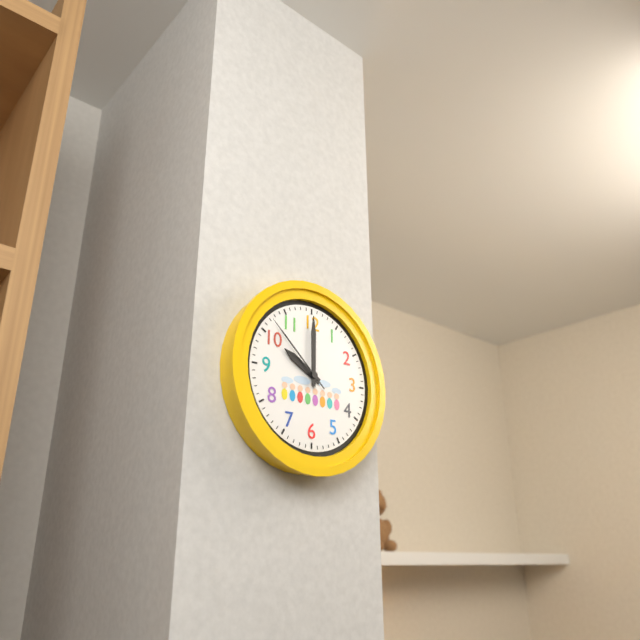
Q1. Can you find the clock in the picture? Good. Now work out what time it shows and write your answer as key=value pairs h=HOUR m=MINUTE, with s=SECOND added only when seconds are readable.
h=10 m=0 s=52
